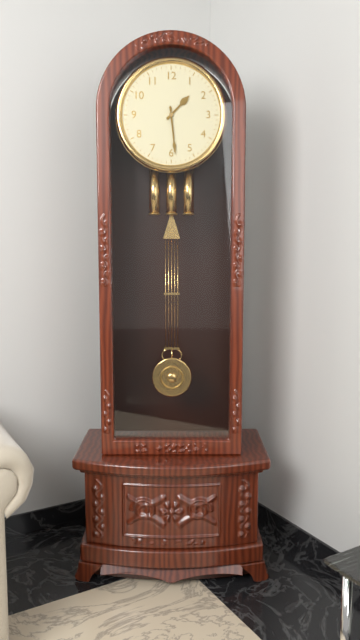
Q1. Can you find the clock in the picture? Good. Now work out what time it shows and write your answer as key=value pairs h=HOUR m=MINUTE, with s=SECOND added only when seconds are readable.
h=1 m=29
